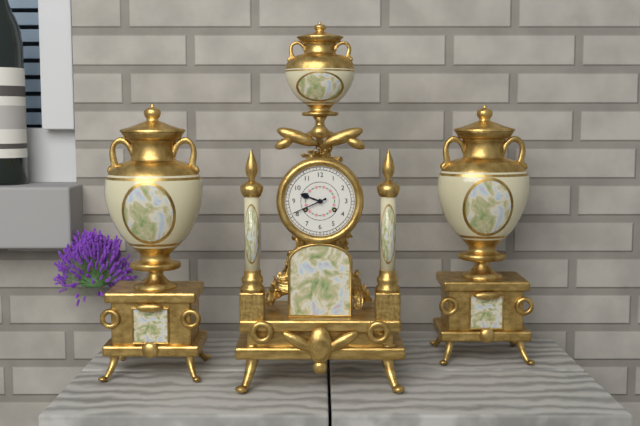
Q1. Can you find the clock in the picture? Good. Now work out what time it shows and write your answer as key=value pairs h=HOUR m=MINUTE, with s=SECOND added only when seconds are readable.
h=9 m=41
